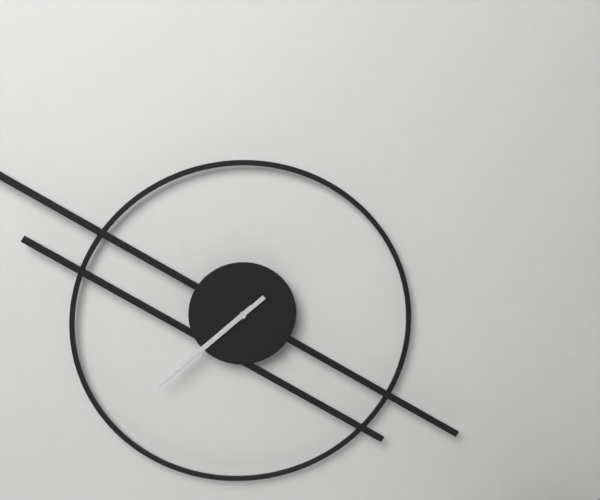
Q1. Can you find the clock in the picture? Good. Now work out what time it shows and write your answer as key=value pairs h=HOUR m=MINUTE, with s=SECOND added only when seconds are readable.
h=7 m=38
